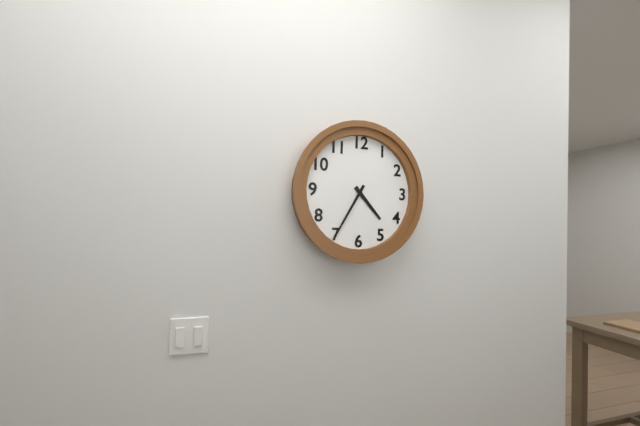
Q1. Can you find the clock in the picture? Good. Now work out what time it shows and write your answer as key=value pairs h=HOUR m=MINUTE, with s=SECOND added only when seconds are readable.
h=4 m=35
